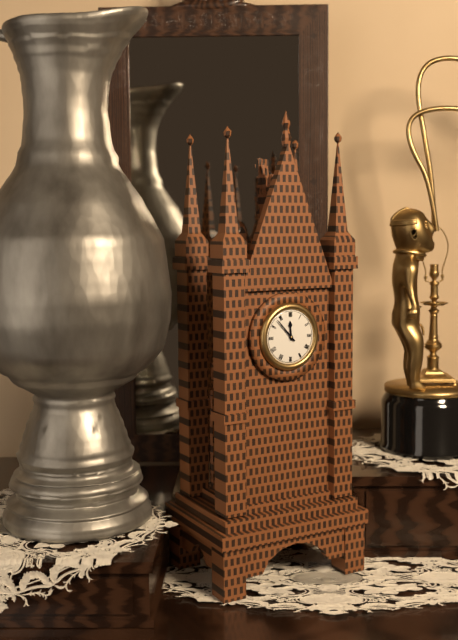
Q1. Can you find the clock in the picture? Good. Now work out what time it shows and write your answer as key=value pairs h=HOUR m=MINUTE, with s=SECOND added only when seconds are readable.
h=11 m=53
